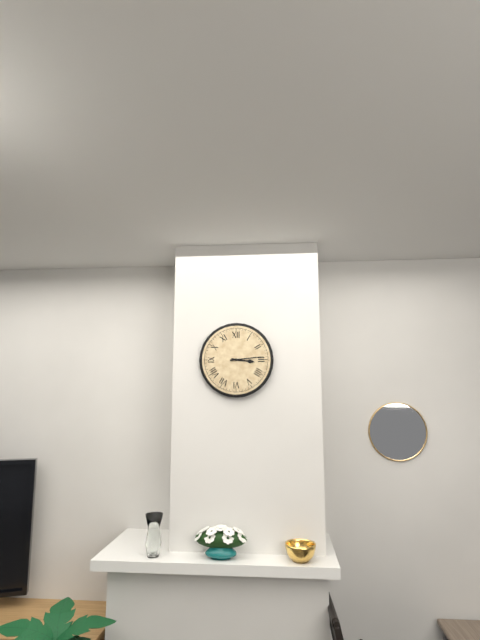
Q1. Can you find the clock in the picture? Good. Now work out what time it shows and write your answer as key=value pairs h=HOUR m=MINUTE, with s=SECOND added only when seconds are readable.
h=3 m=14
